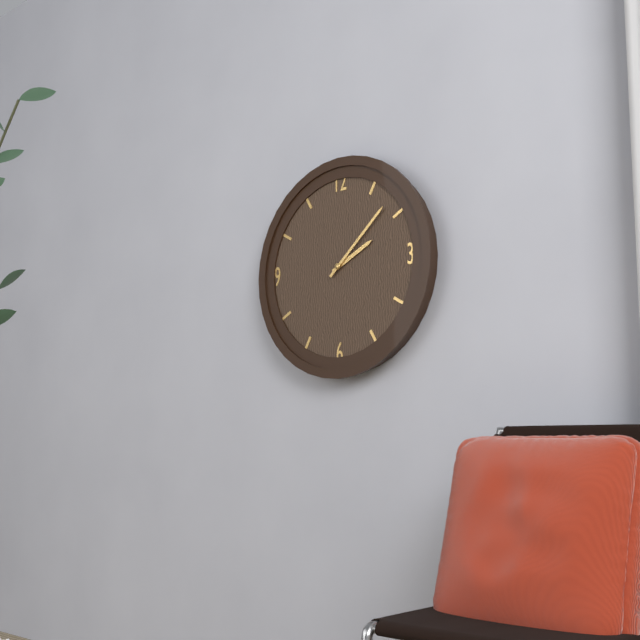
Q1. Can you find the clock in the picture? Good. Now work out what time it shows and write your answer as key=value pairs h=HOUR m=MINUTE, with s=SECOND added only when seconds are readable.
h=2 m=8
